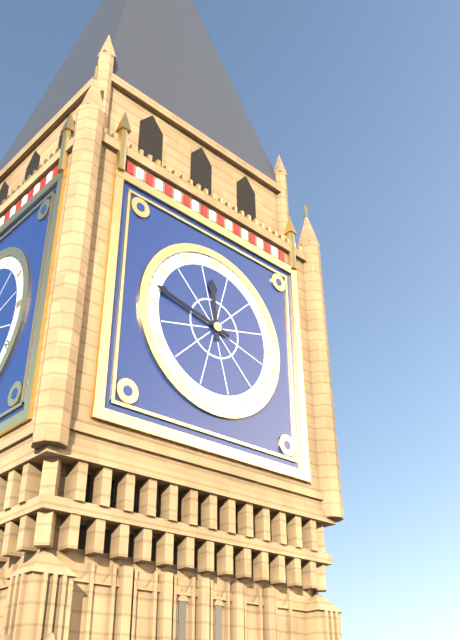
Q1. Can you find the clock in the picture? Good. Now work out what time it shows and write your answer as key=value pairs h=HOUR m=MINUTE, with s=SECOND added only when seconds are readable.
h=11 m=47
